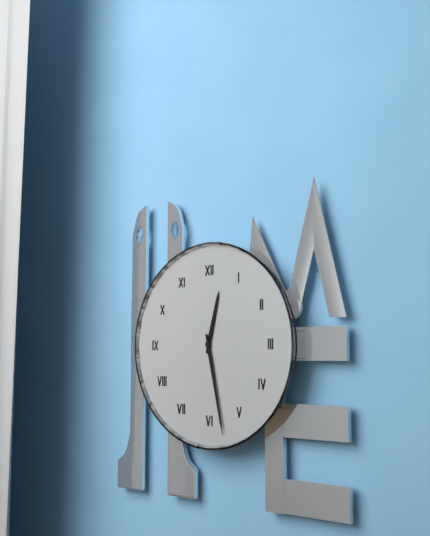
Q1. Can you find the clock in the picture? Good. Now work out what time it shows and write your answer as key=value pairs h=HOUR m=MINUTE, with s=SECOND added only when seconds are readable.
h=12 m=28
